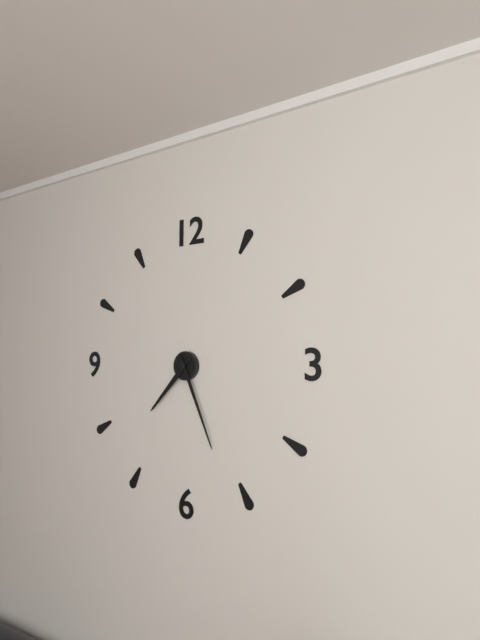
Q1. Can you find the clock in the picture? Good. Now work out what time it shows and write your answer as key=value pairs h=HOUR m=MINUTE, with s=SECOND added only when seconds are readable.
h=7 m=26
